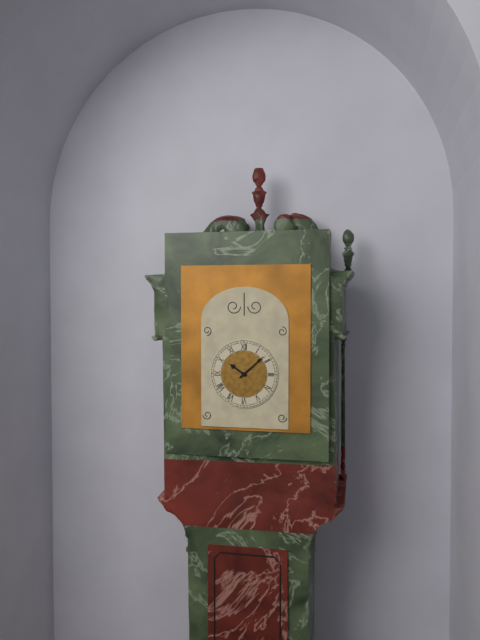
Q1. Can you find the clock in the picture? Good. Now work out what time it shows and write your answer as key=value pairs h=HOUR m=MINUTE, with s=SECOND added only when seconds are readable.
h=10 m=8
